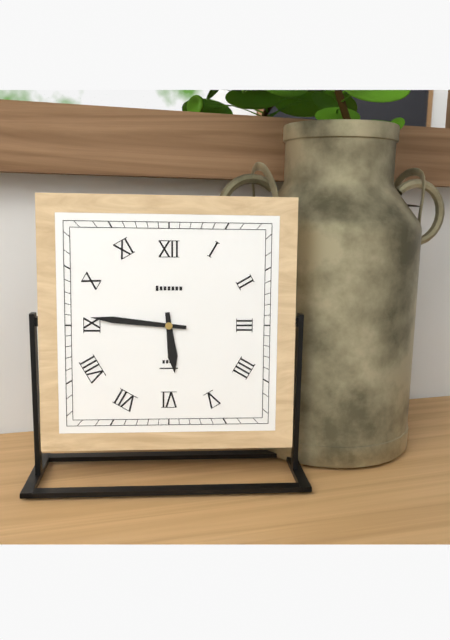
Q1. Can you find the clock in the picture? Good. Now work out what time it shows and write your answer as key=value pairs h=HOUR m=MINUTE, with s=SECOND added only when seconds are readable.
h=5 m=46
